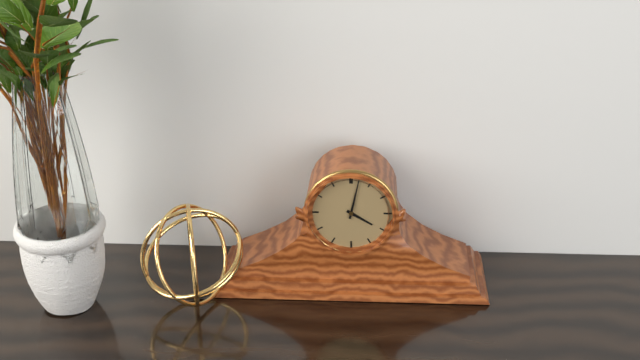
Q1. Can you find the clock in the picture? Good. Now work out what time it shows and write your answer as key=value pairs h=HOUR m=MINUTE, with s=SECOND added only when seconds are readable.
h=4 m=2
